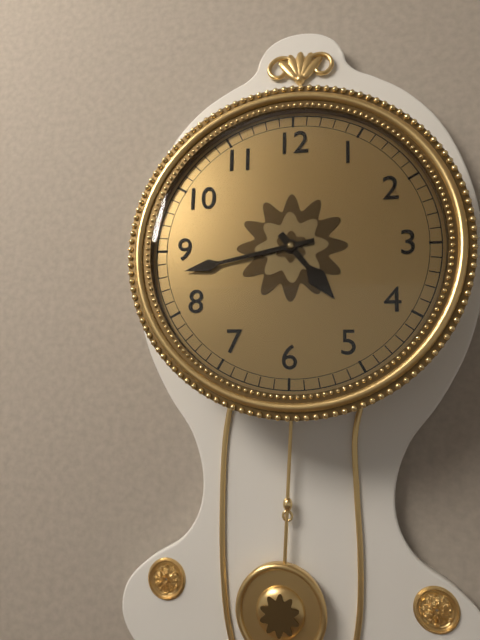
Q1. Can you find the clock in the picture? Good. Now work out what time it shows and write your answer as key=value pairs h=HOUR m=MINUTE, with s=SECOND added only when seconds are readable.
h=4 m=43
